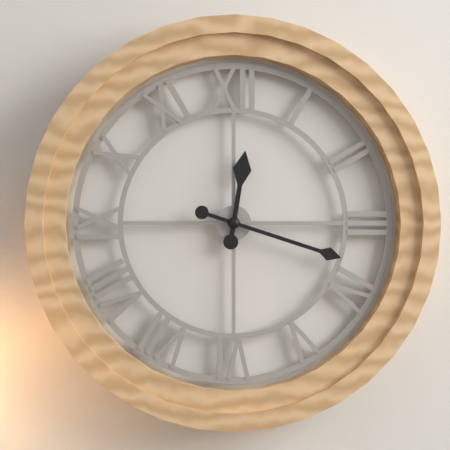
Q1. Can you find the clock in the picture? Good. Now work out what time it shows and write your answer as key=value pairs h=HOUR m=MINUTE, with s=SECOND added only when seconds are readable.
h=12 m=18
